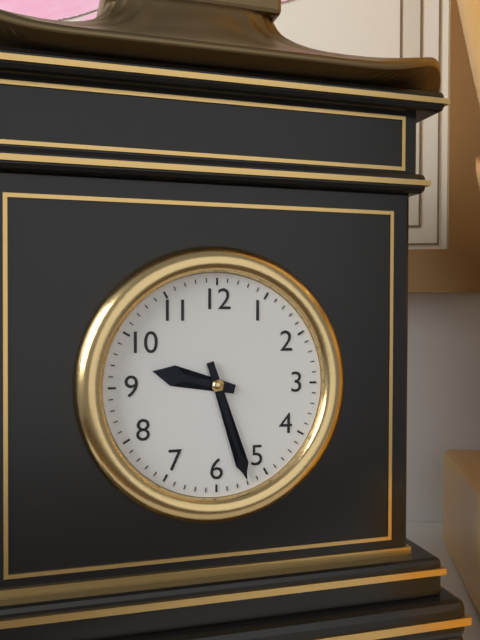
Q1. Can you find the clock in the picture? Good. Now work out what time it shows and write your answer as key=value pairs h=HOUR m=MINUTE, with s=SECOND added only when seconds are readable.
h=9 m=27
